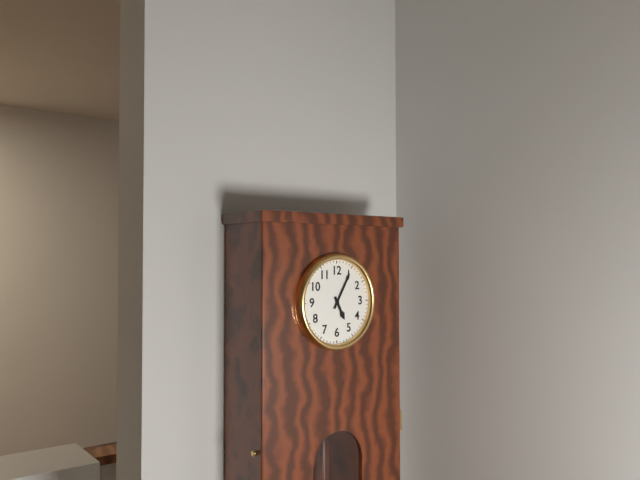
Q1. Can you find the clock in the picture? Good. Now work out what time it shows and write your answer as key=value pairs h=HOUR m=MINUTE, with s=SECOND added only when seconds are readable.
h=5 m=5
